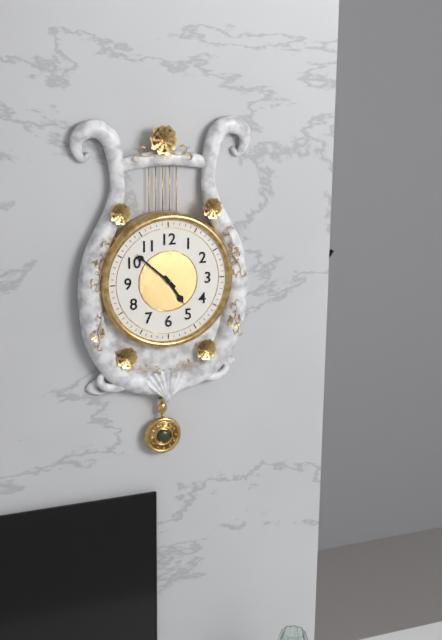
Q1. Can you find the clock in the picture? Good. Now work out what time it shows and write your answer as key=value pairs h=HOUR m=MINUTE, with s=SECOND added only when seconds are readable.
h=4 m=52
